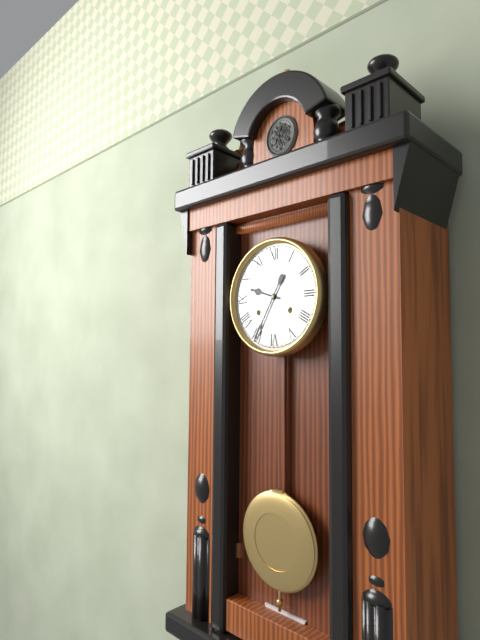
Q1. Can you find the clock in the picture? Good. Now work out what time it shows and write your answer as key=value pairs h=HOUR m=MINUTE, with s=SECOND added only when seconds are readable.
h=9 m=35
